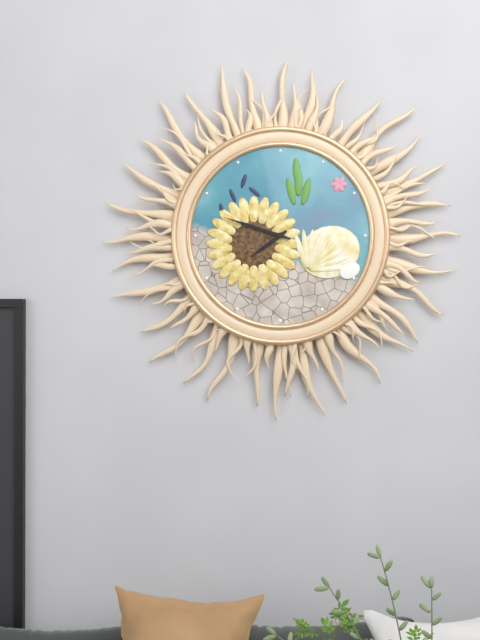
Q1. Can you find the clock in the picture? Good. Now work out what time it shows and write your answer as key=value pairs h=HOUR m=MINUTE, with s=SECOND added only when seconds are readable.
h=7 m=48
